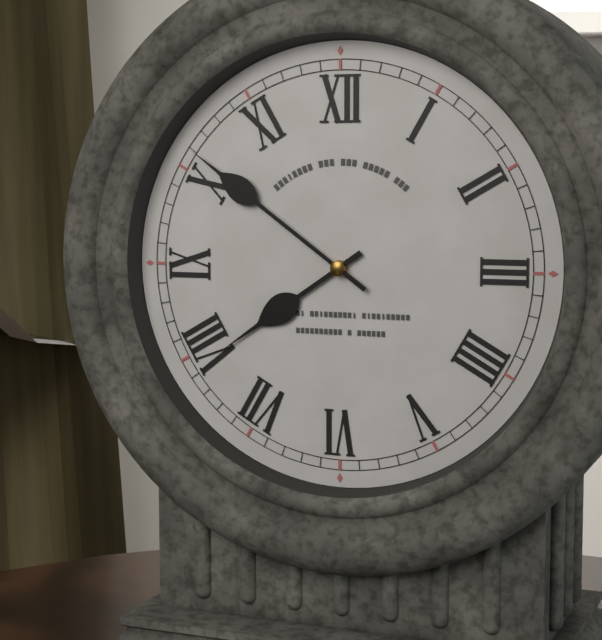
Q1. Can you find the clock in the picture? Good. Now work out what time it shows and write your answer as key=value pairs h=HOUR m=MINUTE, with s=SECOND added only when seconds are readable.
h=7 m=51
